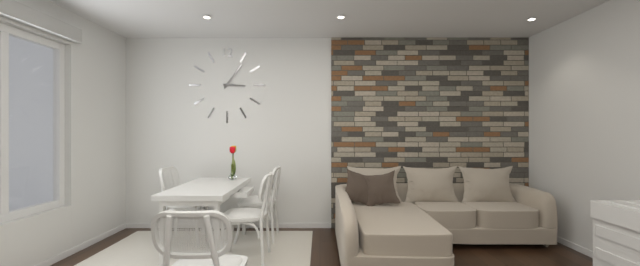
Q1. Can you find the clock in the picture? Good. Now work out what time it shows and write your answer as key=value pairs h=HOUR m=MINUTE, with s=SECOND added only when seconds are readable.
h=3 m=6
